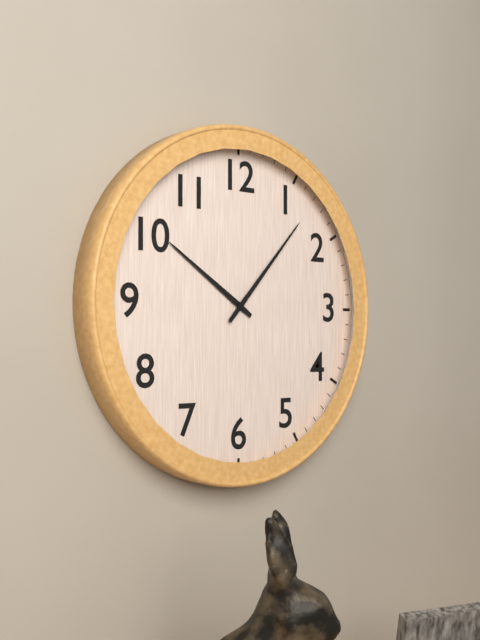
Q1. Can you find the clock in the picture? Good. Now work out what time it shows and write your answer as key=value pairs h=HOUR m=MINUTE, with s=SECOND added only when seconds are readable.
h=10 m=7
